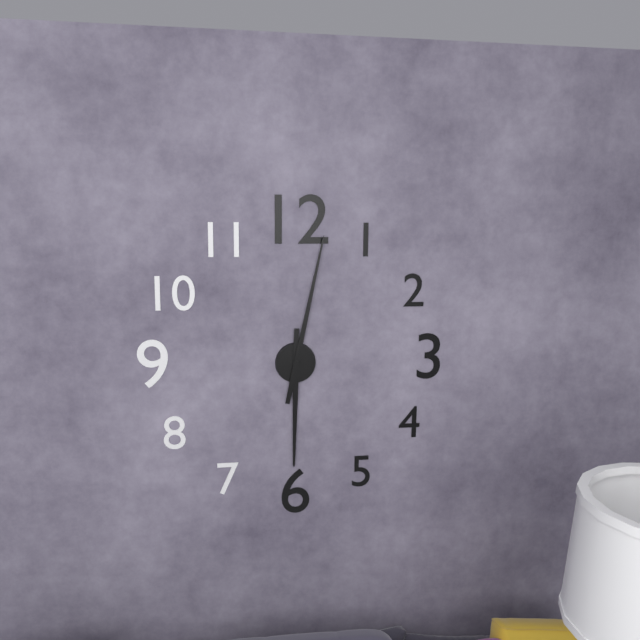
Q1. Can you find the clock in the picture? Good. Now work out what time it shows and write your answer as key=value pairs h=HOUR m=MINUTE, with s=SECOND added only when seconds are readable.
h=6 m=2
